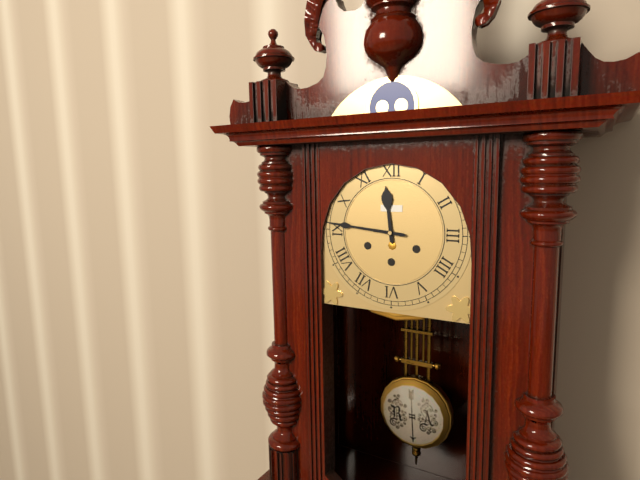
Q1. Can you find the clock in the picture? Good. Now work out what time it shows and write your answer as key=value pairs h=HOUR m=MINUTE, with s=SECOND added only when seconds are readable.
h=11 m=46
